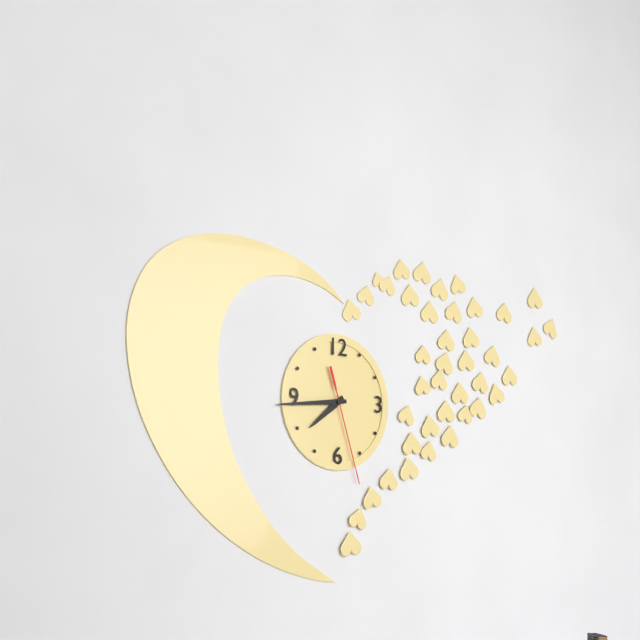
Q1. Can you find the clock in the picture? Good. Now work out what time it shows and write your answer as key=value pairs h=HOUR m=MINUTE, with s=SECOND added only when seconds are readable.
h=7 m=44 s=27
